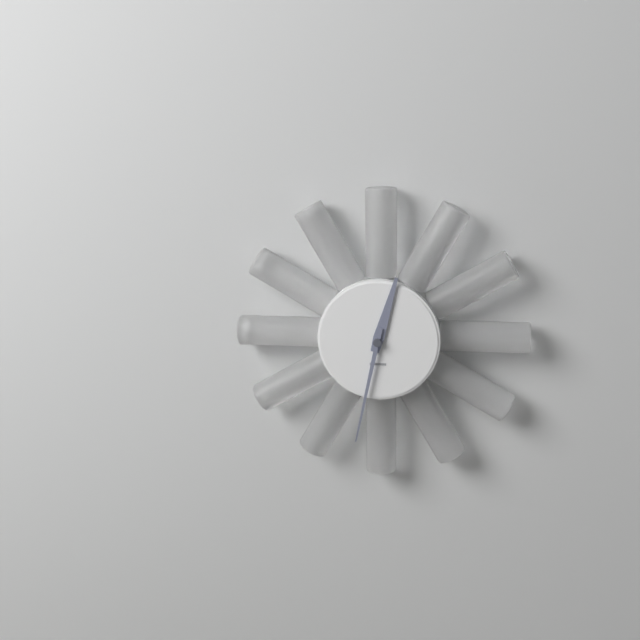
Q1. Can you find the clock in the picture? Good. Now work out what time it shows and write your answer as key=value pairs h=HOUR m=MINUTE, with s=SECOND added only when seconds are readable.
h=12 m=32
